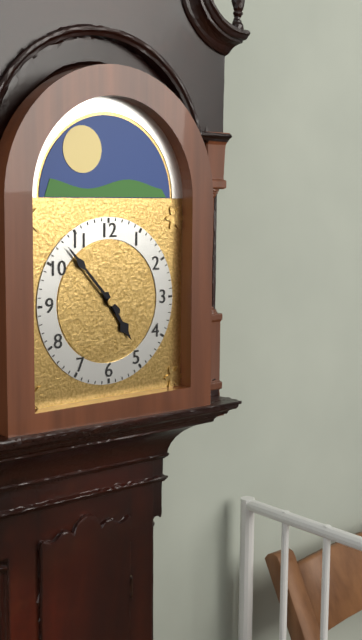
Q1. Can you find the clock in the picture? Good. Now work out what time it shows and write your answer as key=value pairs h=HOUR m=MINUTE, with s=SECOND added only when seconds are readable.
h=4 m=53
